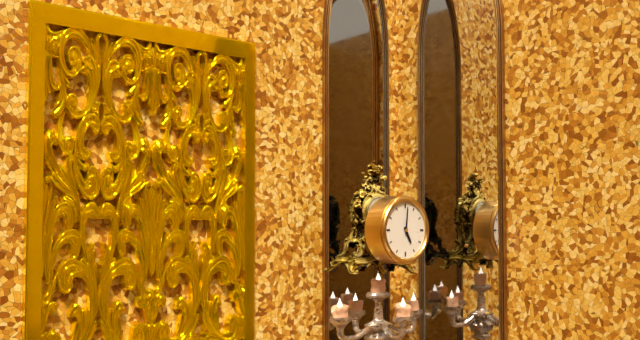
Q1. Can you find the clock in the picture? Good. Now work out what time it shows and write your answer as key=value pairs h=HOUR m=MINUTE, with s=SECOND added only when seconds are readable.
h=5 m=1
